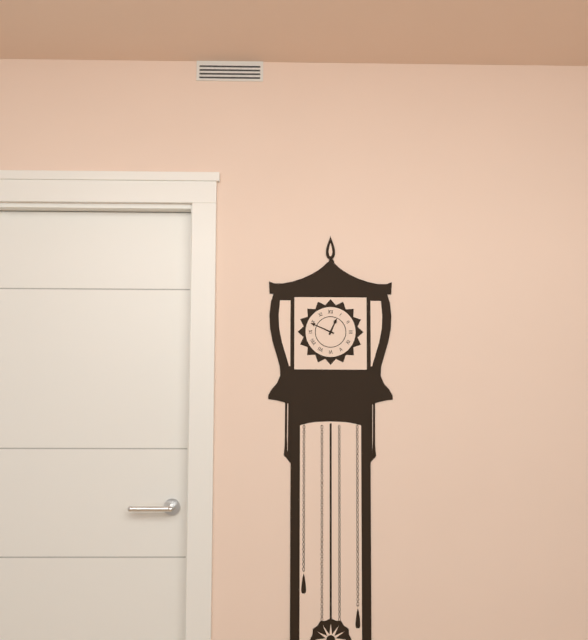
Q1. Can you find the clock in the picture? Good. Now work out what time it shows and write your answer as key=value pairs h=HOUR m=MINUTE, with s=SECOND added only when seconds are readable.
h=12 m=49
